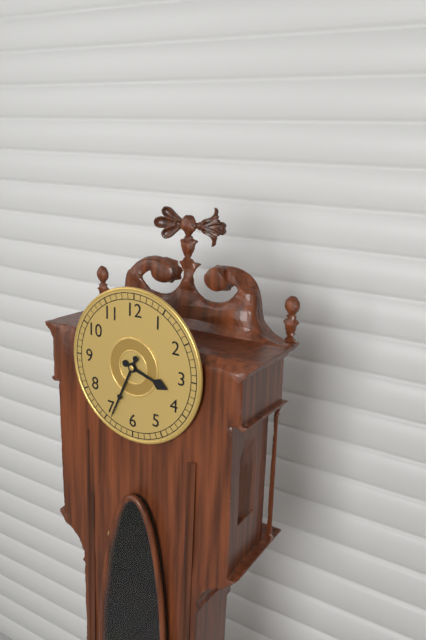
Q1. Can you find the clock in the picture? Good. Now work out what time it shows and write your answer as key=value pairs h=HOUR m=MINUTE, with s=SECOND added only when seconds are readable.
h=3 m=34
